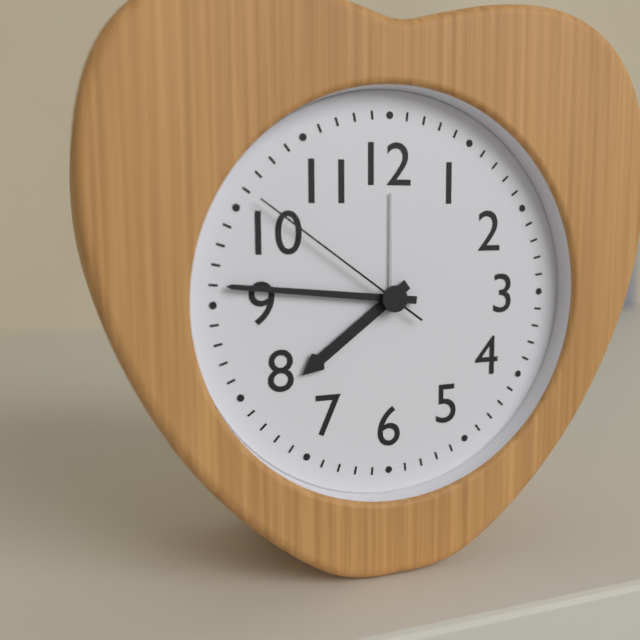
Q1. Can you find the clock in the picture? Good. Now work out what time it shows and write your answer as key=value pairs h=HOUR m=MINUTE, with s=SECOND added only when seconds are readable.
h=7 m=46 s=51
